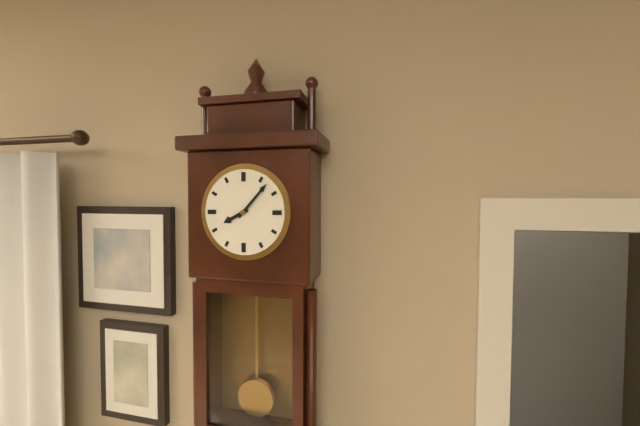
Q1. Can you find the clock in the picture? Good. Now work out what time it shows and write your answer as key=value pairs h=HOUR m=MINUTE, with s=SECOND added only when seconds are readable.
h=8 m=7
